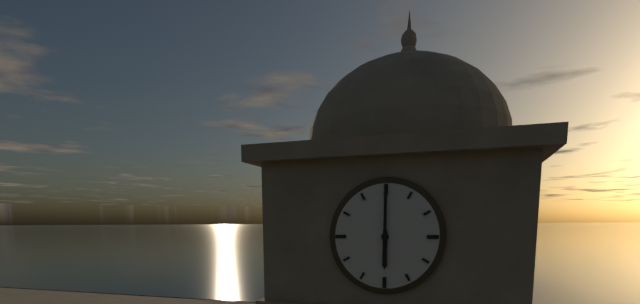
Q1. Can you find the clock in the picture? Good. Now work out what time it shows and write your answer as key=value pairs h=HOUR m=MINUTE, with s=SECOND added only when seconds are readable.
h=6 m=0
